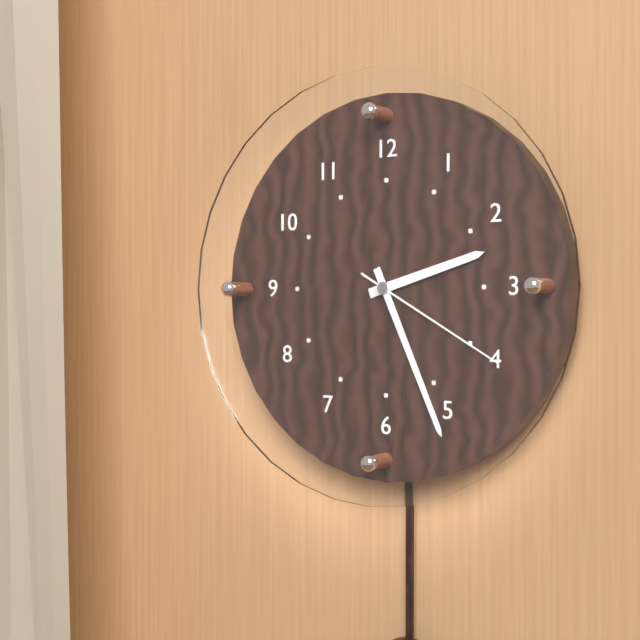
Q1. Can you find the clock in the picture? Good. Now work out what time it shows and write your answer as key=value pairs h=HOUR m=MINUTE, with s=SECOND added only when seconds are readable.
h=2 m=26 s=20
